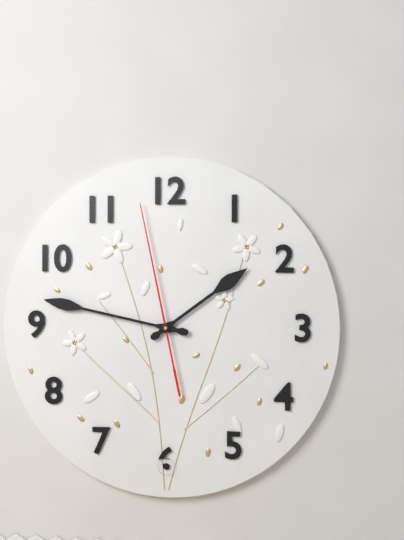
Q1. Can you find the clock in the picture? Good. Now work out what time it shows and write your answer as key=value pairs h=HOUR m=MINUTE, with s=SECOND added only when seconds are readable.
h=1 m=47 s=58
